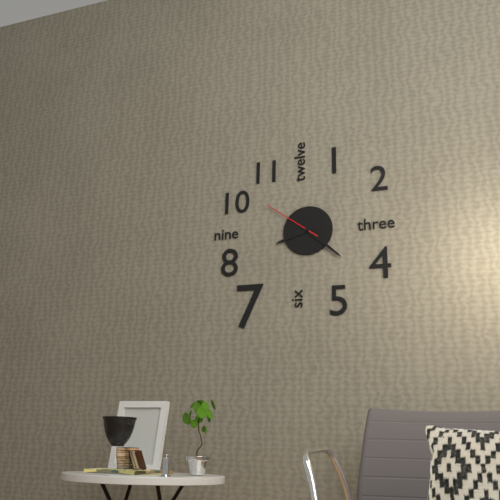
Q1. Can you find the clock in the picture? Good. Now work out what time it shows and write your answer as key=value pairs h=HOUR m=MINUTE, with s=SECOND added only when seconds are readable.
h=8 m=22 s=51
